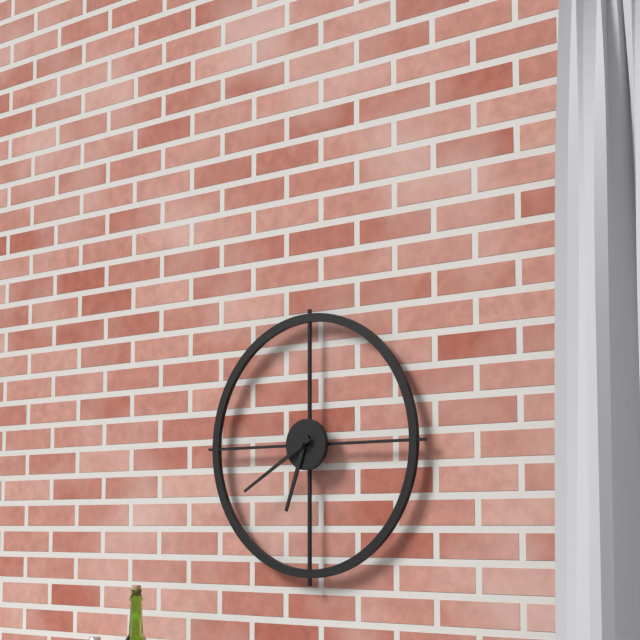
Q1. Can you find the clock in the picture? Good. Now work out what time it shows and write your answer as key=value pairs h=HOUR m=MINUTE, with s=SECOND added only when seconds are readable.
h=6 m=40
